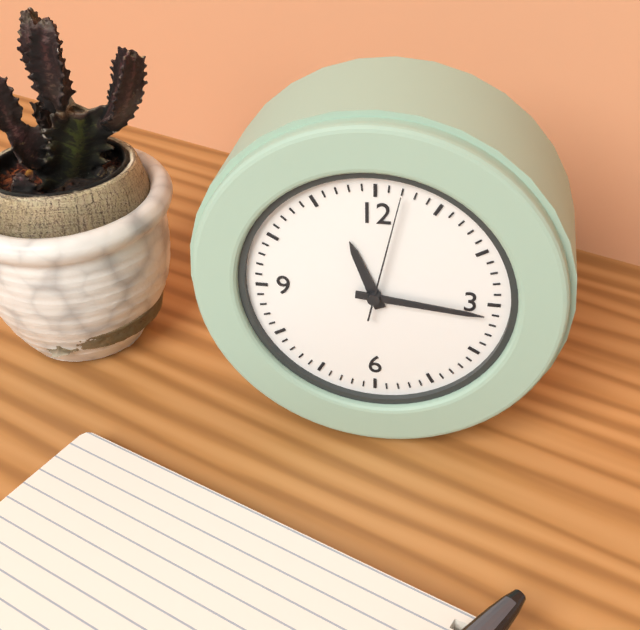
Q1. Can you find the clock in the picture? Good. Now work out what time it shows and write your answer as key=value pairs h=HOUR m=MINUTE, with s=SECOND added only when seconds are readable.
h=11 m=16 s=2
